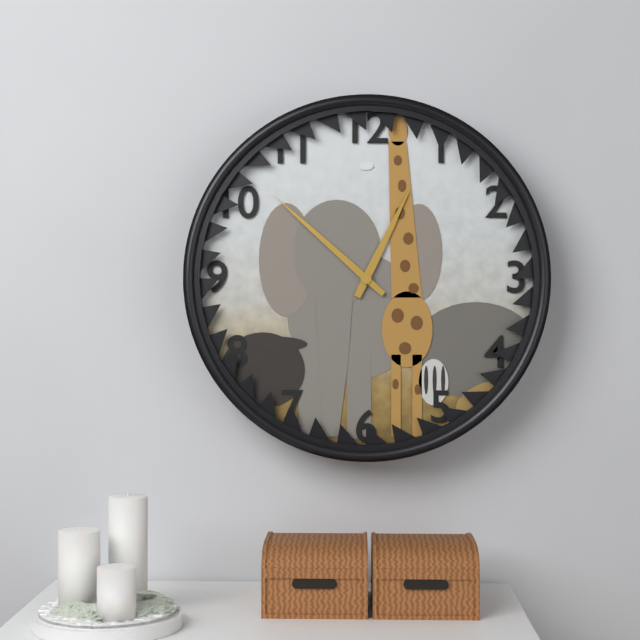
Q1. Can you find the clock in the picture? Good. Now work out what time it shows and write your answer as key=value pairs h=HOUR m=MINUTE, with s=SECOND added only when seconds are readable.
h=12 m=52
